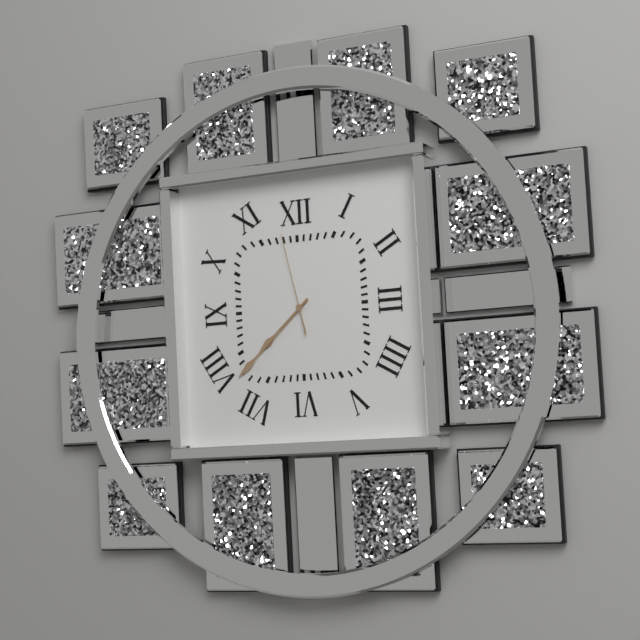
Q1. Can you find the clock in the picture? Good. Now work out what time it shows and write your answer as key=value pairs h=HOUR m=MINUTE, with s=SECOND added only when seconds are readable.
h=7 m=38 s=58
